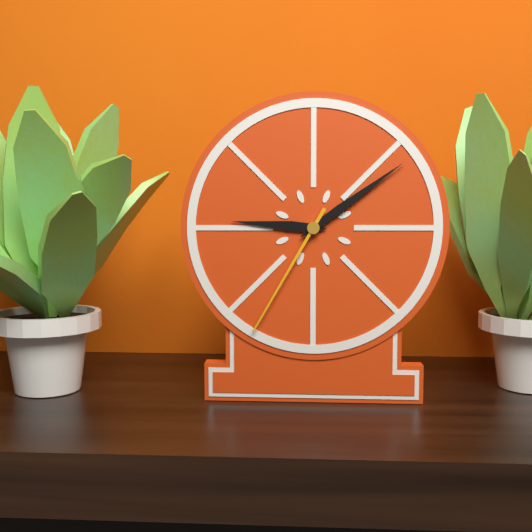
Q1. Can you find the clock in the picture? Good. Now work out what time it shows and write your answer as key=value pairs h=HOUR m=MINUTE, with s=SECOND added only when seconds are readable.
h=9 m=9 s=35
